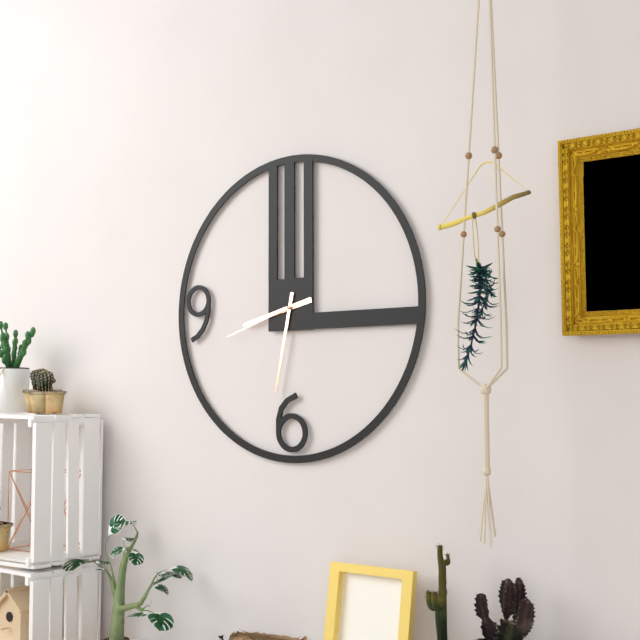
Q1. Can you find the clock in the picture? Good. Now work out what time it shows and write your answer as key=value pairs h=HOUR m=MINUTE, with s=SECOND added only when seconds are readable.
h=8 m=32 s=42
